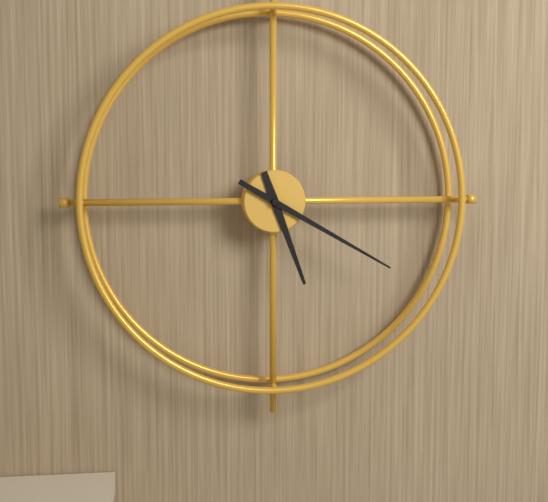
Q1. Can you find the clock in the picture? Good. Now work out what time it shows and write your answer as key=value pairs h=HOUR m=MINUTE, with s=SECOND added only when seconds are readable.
h=5 m=20
